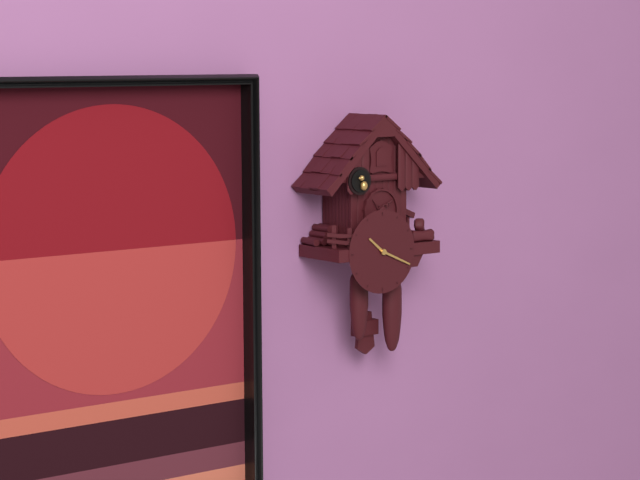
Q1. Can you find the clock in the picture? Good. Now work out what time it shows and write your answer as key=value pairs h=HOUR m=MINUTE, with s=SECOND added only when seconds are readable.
h=10 m=19
